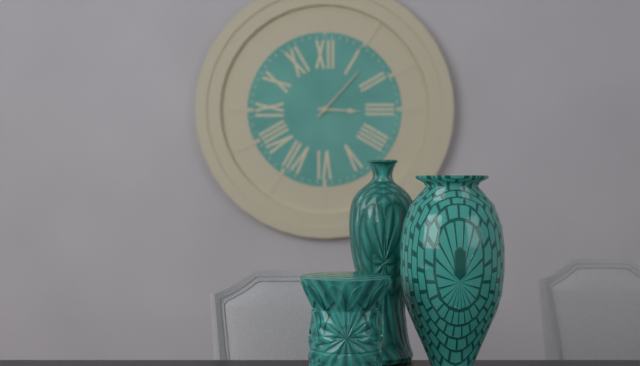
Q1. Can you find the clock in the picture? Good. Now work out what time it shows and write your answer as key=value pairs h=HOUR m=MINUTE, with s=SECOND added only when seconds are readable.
h=3 m=7
